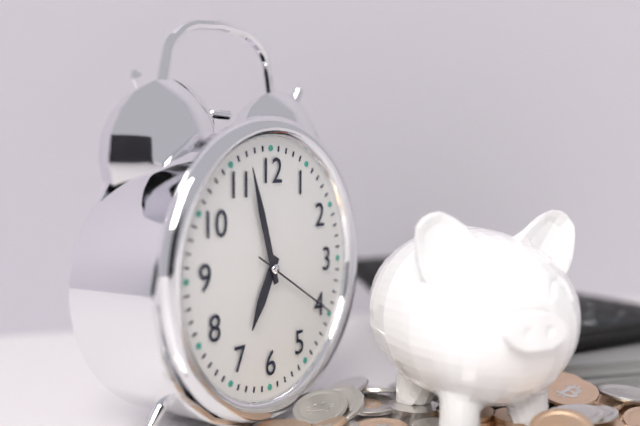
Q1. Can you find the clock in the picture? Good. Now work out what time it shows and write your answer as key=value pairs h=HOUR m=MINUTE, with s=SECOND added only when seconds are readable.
h=6 m=57 s=20
